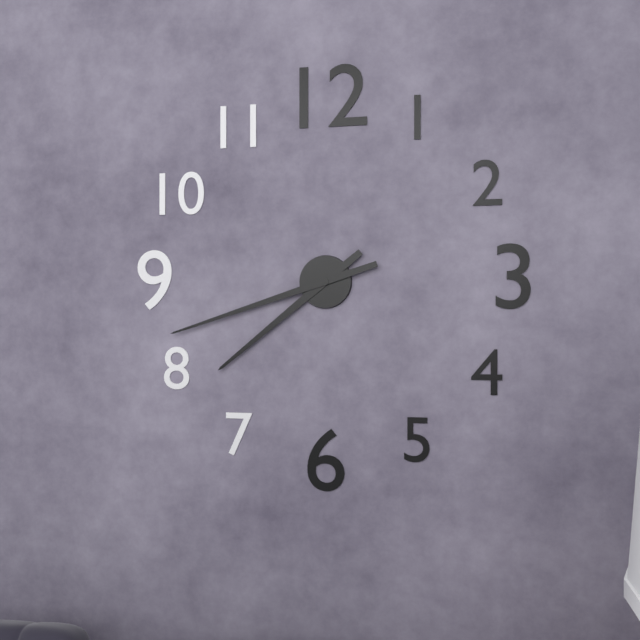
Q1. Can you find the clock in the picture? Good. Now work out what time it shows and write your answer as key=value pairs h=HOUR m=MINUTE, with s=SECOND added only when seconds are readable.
h=7 m=42
